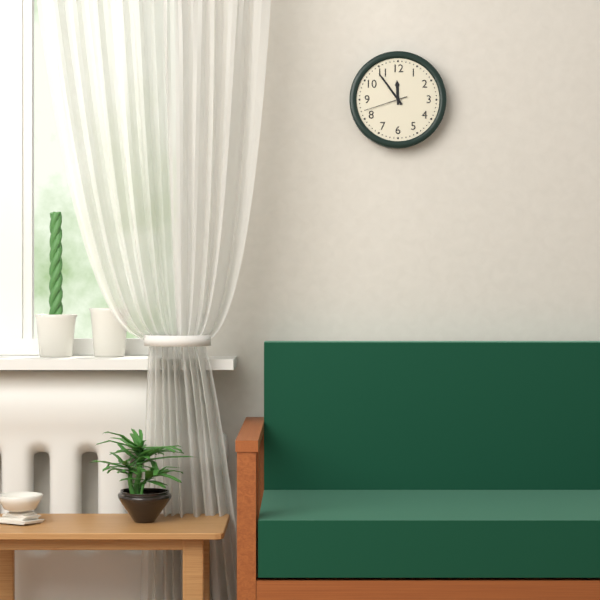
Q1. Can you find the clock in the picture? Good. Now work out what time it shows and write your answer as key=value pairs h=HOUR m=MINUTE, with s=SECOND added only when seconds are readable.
h=11 m=54
